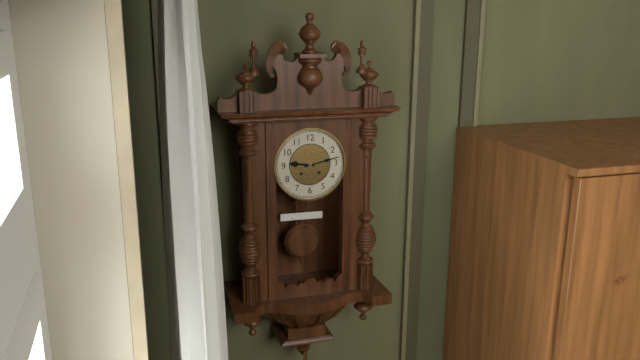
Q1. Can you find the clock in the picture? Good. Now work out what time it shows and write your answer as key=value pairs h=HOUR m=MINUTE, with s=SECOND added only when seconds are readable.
h=9 m=13
